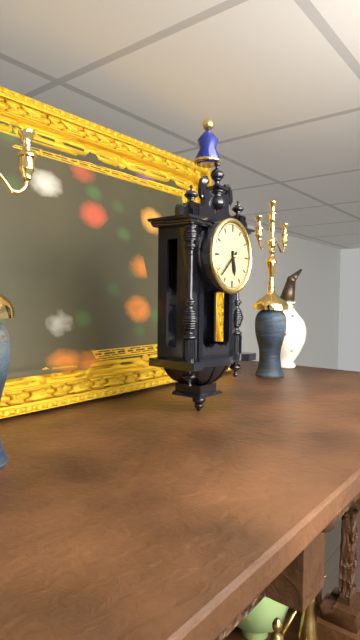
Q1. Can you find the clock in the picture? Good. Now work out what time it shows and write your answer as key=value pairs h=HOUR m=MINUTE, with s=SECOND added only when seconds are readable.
h=5 m=38
